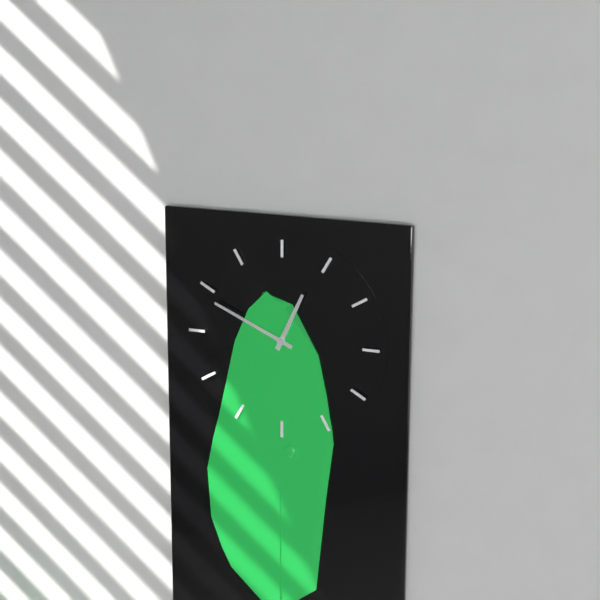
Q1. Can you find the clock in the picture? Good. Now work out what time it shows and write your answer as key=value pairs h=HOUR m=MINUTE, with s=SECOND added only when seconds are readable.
h=12 m=49
